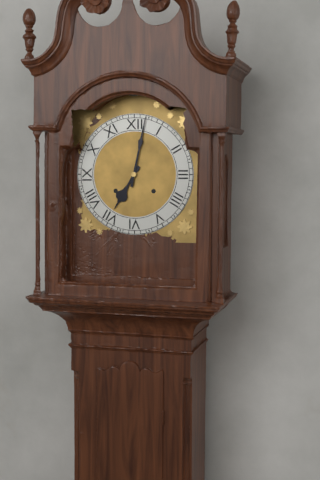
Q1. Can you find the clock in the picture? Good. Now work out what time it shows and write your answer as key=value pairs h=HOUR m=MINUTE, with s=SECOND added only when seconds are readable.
h=7 m=2
